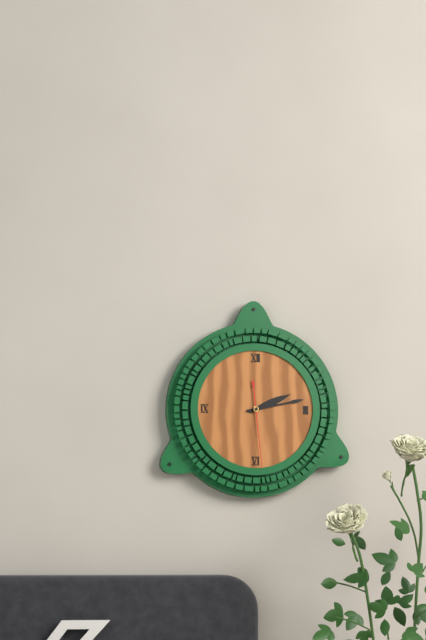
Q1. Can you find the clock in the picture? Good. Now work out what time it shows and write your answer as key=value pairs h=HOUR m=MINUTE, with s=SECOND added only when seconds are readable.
h=2 m=13 s=29
